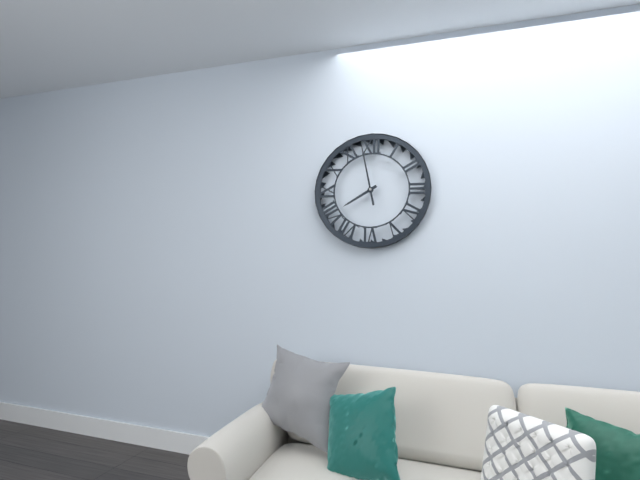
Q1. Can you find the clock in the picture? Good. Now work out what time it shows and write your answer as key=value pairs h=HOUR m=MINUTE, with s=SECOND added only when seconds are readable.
h=7 m=58
